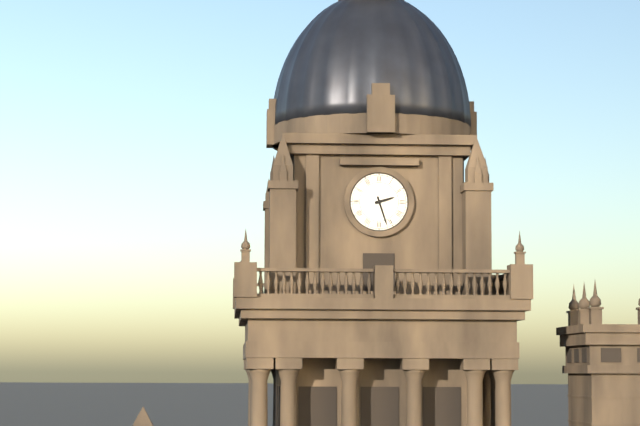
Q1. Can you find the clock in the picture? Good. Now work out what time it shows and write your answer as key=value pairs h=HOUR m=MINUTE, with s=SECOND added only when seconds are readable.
h=2 m=27
